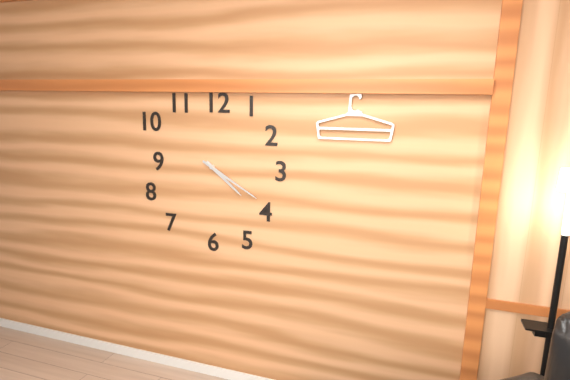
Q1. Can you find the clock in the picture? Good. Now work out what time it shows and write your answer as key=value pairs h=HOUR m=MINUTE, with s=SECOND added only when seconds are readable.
h=4 m=20
